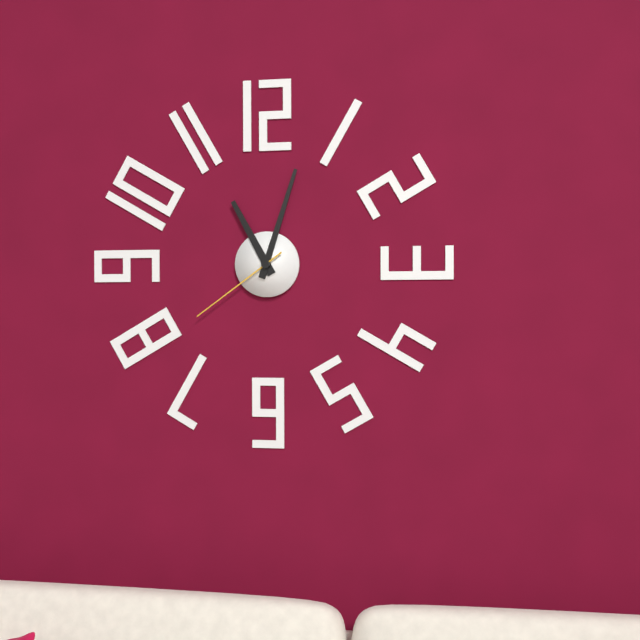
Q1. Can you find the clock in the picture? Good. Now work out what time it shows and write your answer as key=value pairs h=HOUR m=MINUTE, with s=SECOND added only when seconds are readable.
h=11 m=3 s=39
